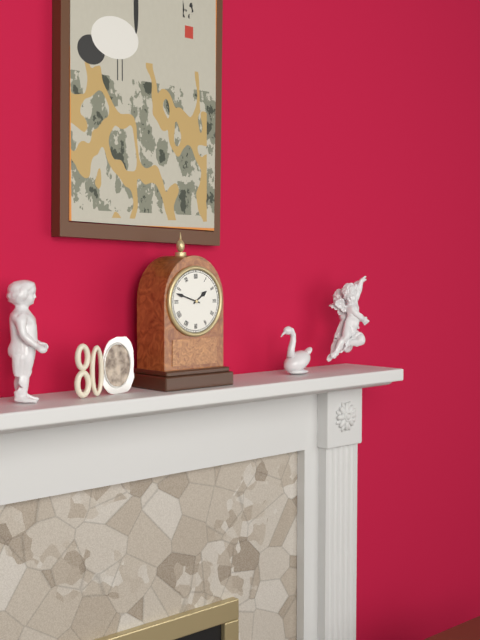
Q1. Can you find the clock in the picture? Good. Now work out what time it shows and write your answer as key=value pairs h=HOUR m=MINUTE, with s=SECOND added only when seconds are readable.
h=1 m=48
